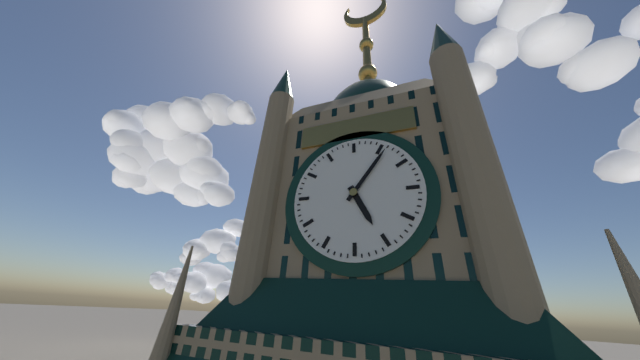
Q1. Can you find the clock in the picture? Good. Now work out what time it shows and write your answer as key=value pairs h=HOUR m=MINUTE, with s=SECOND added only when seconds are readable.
h=5 m=6
